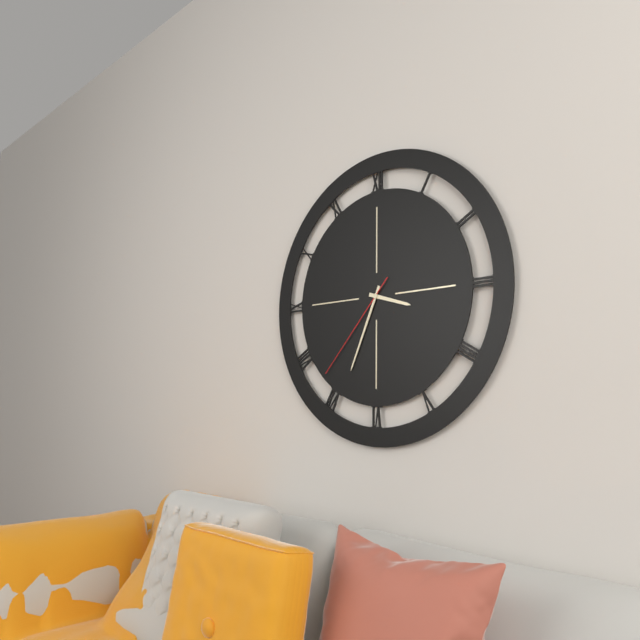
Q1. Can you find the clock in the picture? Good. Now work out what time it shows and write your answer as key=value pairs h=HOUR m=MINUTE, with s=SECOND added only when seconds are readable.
h=3 m=34 s=37
